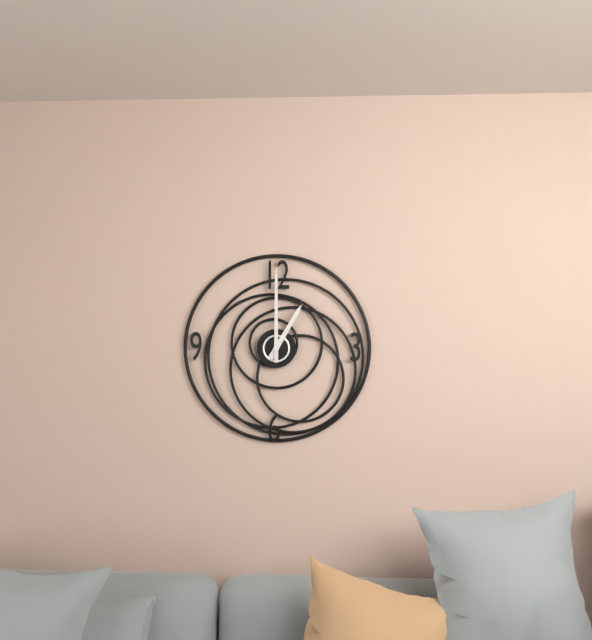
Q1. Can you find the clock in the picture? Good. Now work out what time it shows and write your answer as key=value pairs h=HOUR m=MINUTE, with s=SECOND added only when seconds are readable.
h=1 m=0
